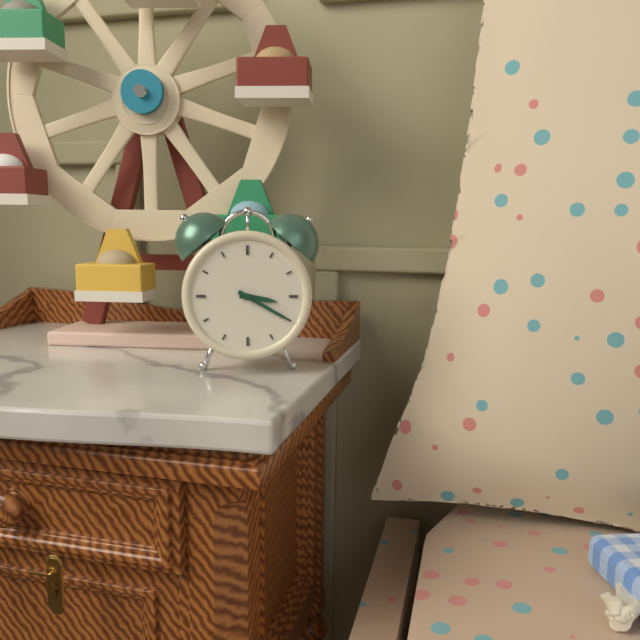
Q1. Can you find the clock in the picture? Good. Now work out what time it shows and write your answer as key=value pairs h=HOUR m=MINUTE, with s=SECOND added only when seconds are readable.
h=3 m=20
